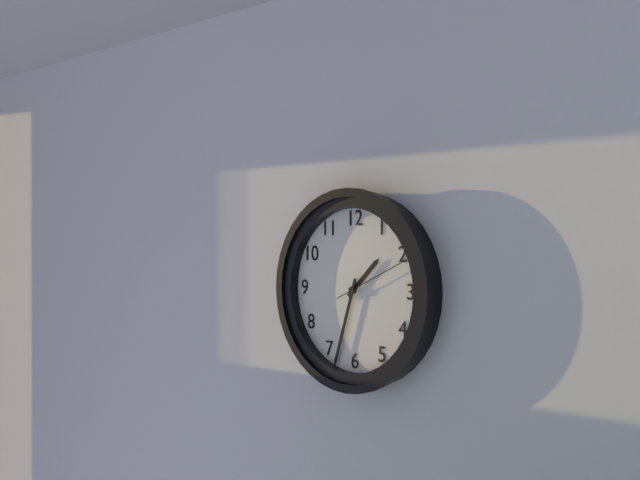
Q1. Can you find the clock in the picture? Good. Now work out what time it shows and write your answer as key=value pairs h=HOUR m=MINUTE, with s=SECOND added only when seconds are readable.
h=1 m=33 s=11
